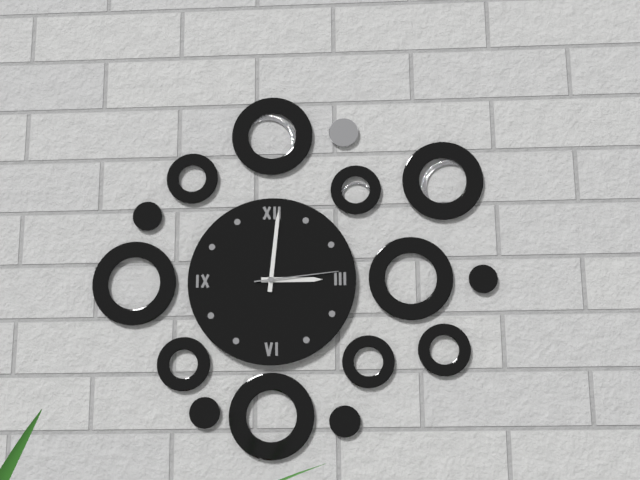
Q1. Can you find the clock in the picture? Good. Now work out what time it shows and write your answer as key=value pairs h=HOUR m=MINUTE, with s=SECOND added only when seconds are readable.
h=3 m=1 s=14
